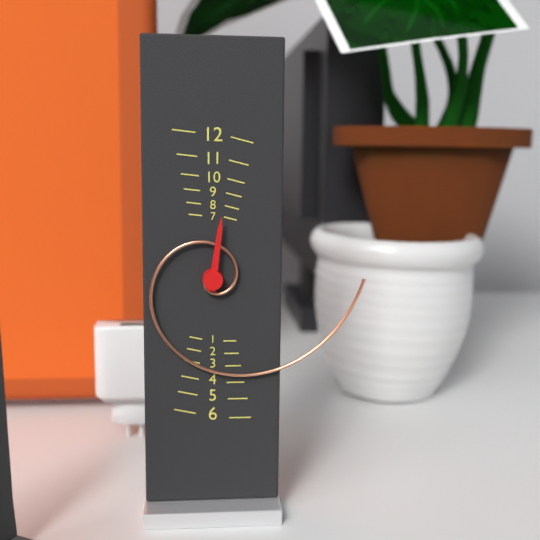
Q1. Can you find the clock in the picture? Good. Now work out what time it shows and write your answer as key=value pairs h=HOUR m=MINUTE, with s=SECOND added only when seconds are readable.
h=12 m=15
